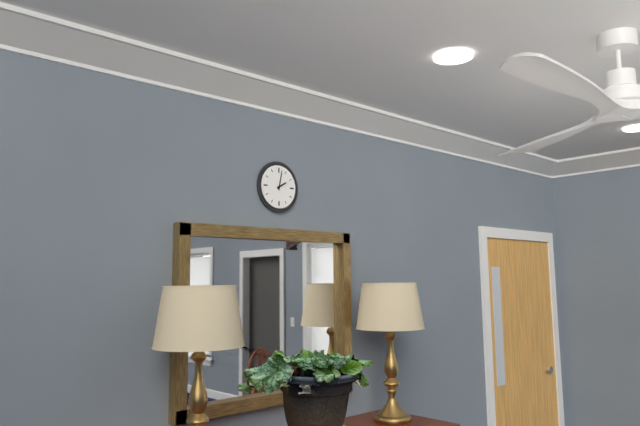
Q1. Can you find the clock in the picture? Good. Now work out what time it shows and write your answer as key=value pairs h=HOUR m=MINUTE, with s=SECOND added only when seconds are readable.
h=2 m=2
